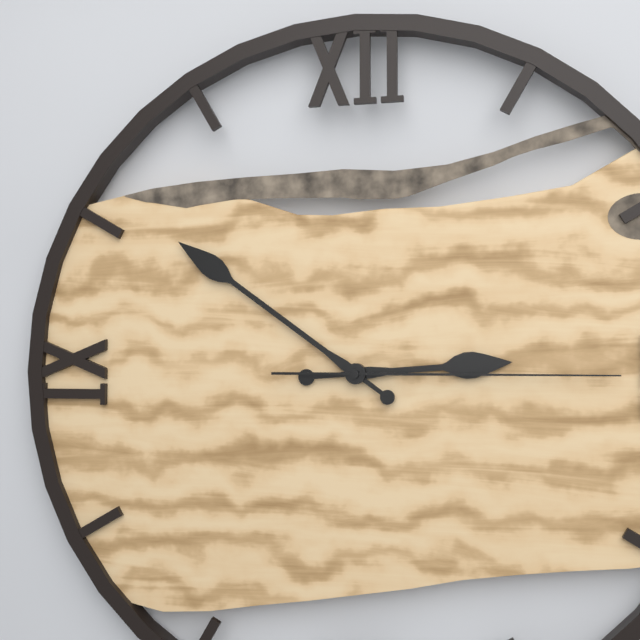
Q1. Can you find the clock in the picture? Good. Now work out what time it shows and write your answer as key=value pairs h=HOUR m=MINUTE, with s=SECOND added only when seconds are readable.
h=2 m=51 s=15
